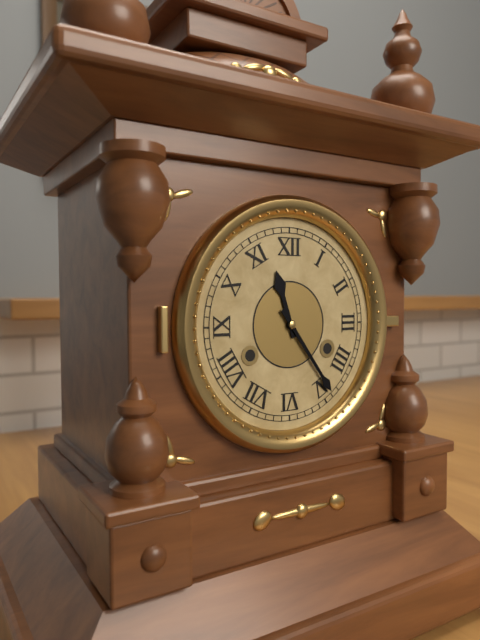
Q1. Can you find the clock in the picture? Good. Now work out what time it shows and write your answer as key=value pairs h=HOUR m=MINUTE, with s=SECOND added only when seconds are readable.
h=11 m=24
